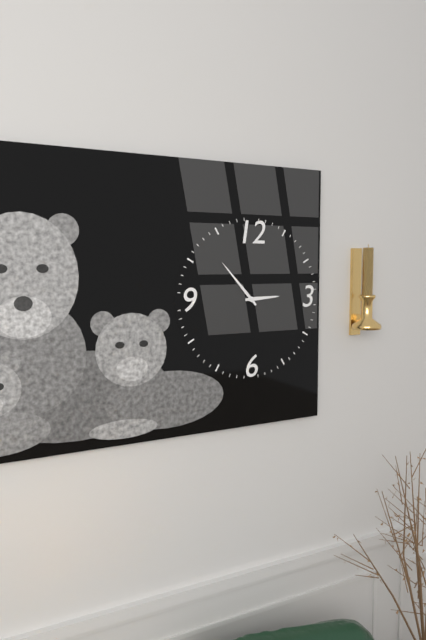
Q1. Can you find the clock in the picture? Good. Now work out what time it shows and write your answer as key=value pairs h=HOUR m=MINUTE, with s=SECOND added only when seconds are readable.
h=2 m=53
